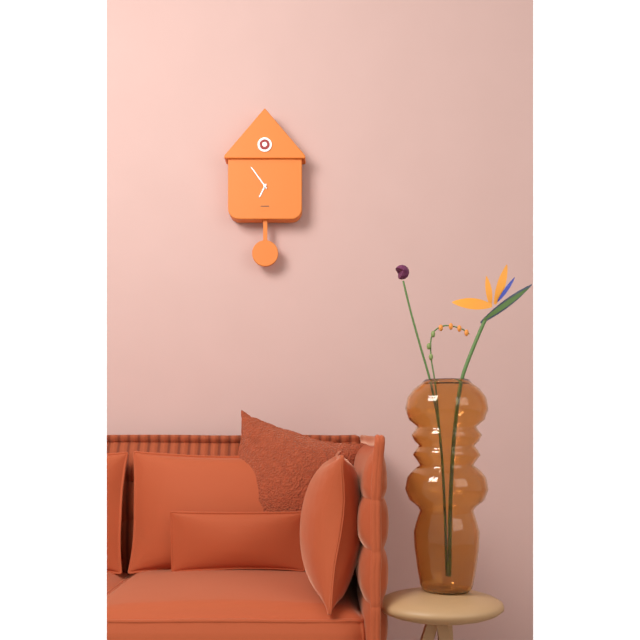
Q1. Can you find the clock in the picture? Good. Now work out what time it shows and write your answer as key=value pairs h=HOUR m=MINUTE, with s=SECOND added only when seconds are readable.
h=6 m=54
